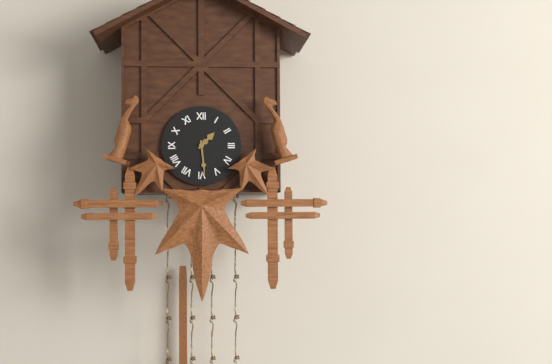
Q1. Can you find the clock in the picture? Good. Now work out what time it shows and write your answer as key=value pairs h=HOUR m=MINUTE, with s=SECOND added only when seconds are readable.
h=1 m=29
